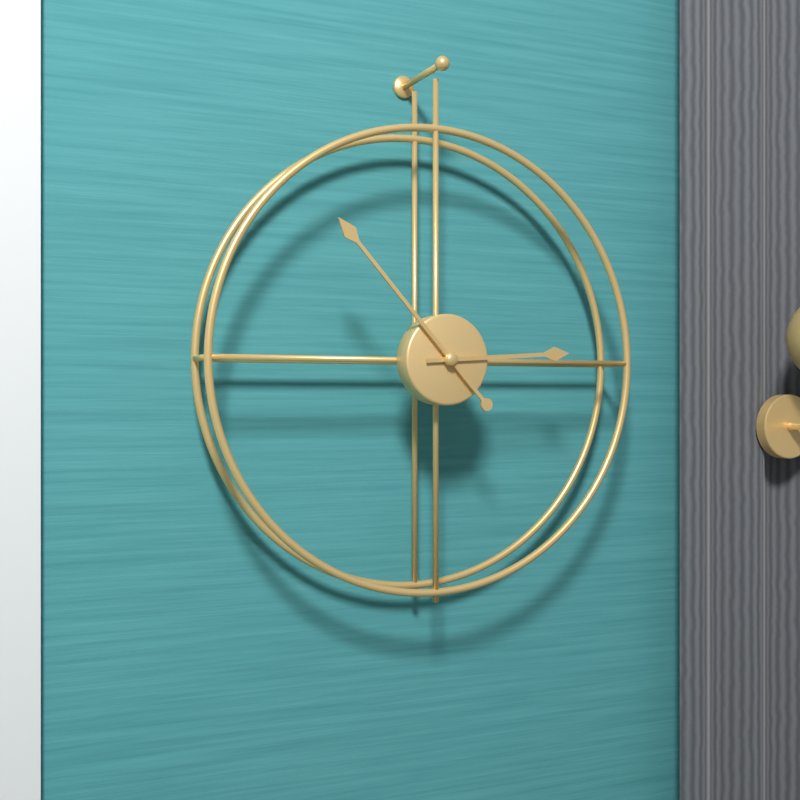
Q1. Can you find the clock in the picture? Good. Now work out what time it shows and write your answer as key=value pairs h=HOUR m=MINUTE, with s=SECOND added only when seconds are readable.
h=2 m=53
